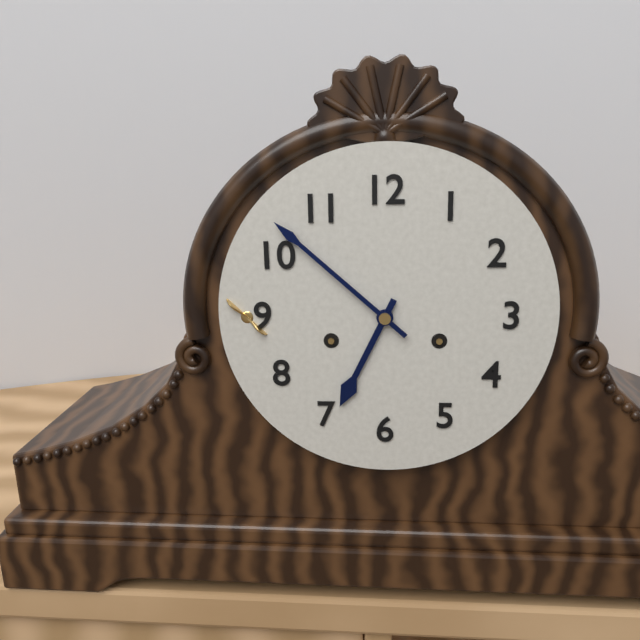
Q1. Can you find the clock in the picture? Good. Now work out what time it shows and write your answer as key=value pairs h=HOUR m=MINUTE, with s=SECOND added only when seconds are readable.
h=6 m=52
